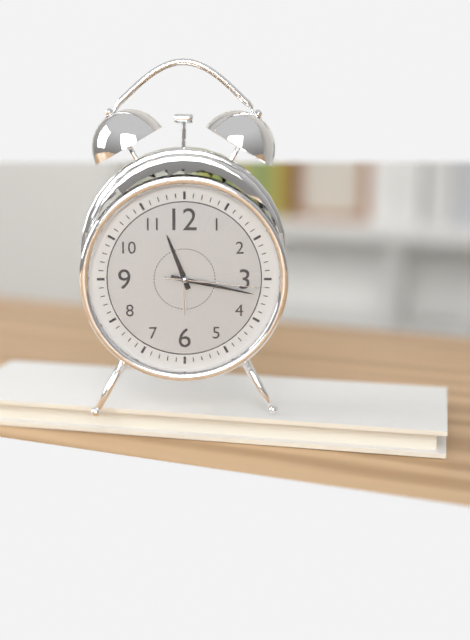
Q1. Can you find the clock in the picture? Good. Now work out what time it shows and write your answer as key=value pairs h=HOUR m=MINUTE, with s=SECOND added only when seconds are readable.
h=11 m=17 s=16
